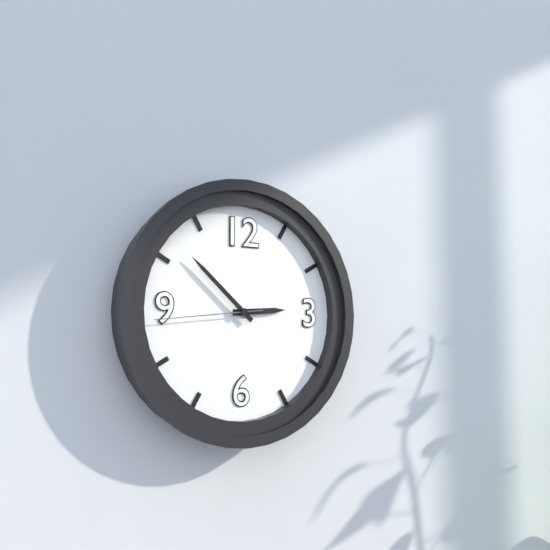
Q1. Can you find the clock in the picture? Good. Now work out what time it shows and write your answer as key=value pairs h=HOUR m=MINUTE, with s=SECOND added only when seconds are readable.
h=2 m=52 s=44
